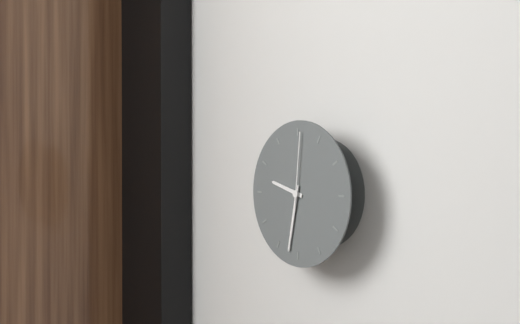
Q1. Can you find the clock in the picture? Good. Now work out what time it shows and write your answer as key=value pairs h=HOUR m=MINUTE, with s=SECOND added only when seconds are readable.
h=9 m=32 s=1
